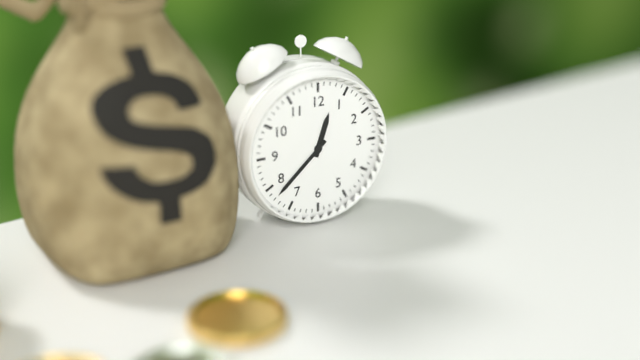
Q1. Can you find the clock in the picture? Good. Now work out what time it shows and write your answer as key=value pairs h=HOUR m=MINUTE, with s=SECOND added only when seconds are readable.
h=12 m=38
